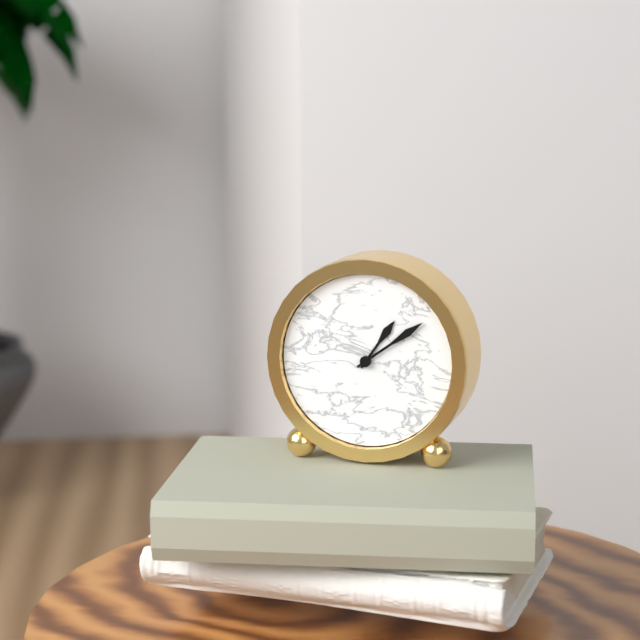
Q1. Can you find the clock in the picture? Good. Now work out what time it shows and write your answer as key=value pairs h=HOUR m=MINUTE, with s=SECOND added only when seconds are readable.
h=1 m=9
